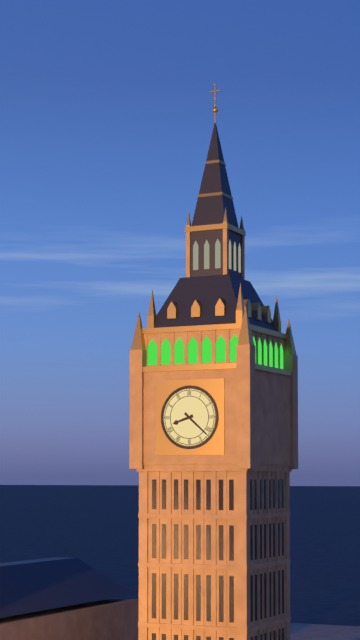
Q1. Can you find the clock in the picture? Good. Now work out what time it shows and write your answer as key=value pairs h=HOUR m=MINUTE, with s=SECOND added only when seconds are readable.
h=8 m=22
